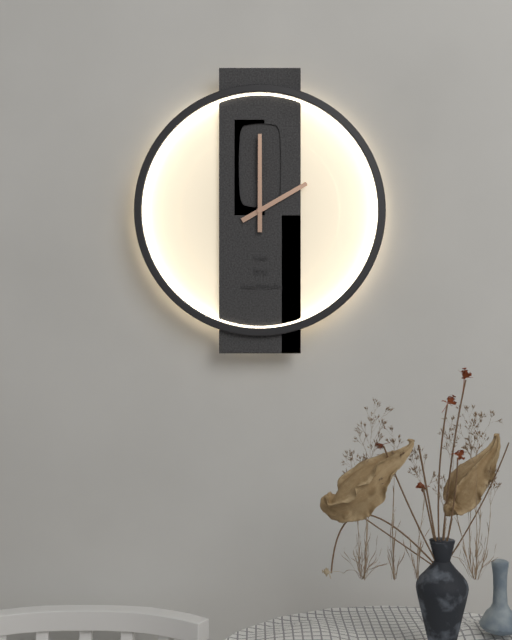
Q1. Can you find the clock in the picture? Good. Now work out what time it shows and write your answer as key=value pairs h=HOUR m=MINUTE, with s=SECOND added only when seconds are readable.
h=2 m=0
